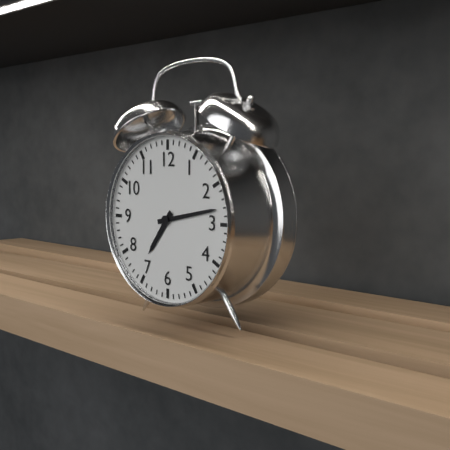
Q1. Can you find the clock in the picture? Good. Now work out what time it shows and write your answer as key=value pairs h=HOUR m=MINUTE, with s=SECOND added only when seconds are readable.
h=7 m=13
